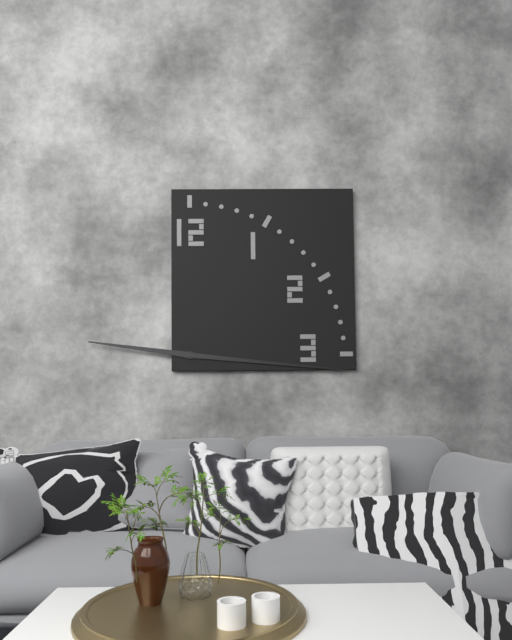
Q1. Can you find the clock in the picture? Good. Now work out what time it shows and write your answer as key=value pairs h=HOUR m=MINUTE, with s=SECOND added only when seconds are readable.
h=9 m=16
